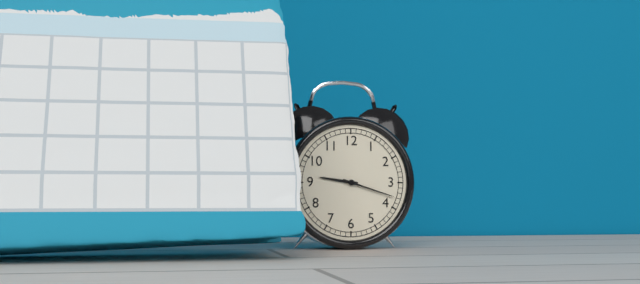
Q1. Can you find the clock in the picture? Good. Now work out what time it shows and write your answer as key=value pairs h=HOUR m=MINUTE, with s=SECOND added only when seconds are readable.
h=9 m=18
